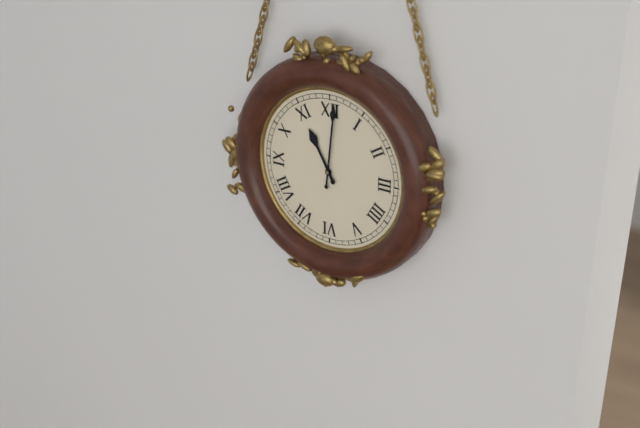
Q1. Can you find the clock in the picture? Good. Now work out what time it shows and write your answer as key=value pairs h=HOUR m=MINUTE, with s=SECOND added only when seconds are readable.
h=11 m=1
